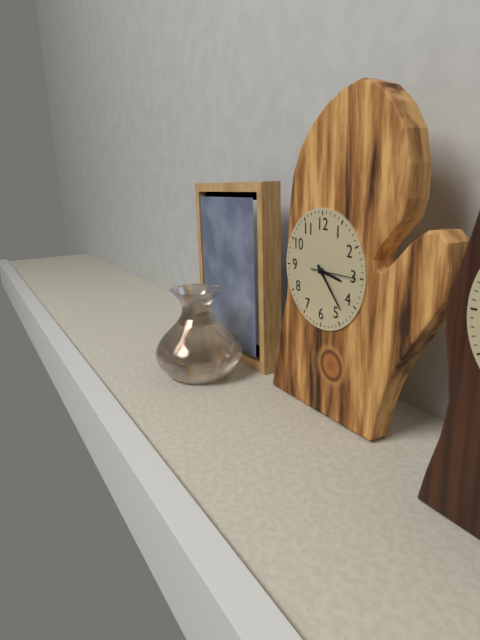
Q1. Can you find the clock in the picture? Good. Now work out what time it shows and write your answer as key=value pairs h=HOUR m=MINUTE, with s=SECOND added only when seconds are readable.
h=3 m=23
